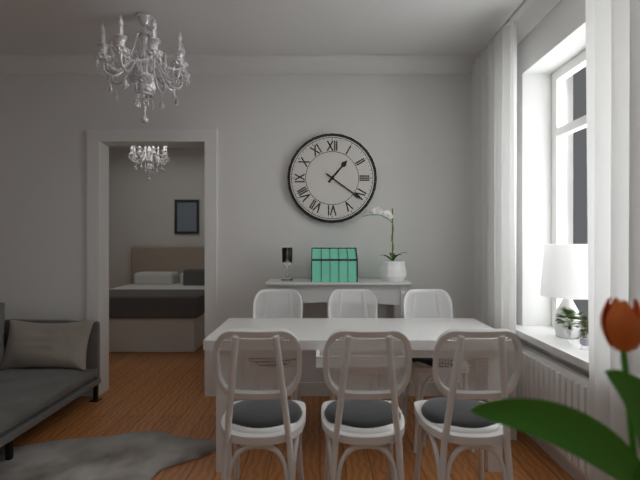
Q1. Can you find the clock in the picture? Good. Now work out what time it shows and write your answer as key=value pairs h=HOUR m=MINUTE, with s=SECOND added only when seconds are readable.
h=1 m=21
